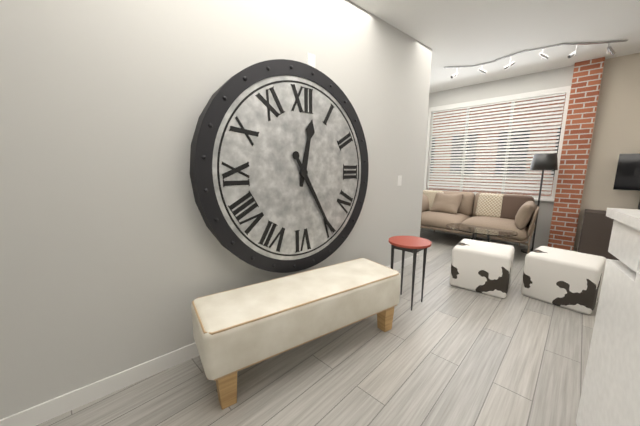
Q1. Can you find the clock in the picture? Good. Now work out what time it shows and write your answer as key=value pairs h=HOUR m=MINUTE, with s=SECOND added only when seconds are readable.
h=12 m=25
